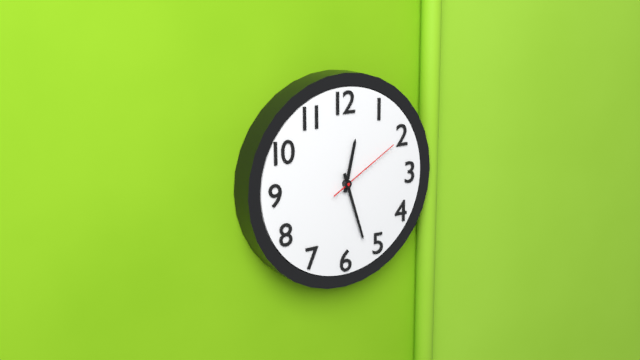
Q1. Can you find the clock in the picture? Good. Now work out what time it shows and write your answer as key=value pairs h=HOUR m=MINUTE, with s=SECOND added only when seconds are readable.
h=12 m=27 s=10
